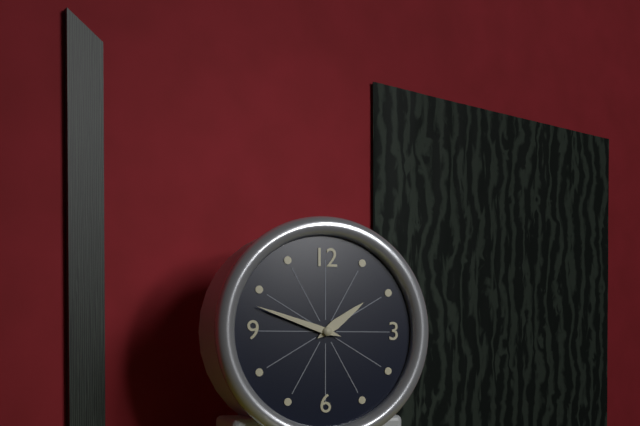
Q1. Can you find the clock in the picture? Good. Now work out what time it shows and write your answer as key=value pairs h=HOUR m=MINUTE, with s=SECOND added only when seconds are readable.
h=1 m=48
